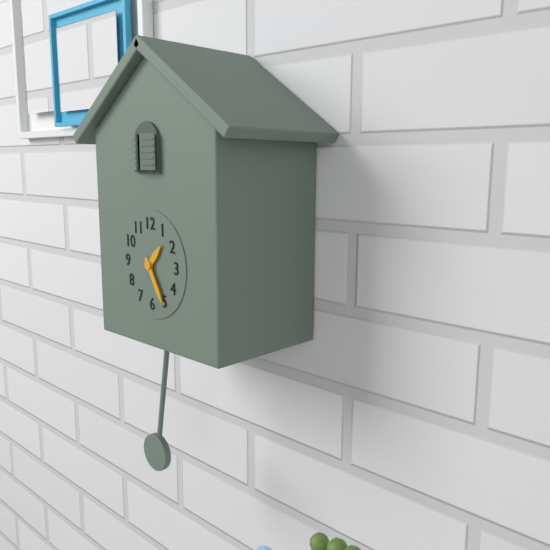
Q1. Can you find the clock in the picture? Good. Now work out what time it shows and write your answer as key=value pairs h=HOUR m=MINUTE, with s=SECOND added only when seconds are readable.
h=1 m=25
